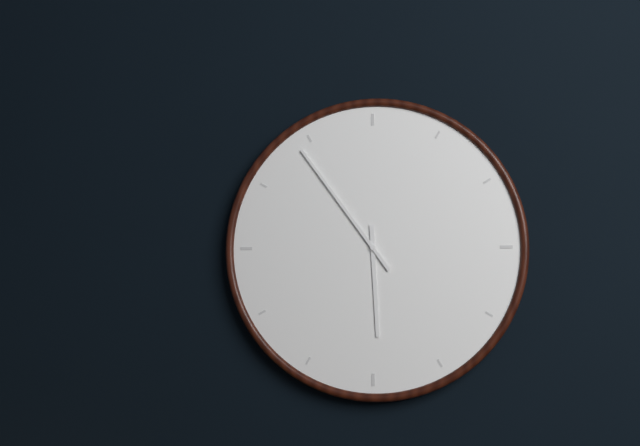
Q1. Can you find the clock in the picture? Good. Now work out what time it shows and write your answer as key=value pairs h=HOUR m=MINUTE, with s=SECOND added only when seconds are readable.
h=5 m=54
